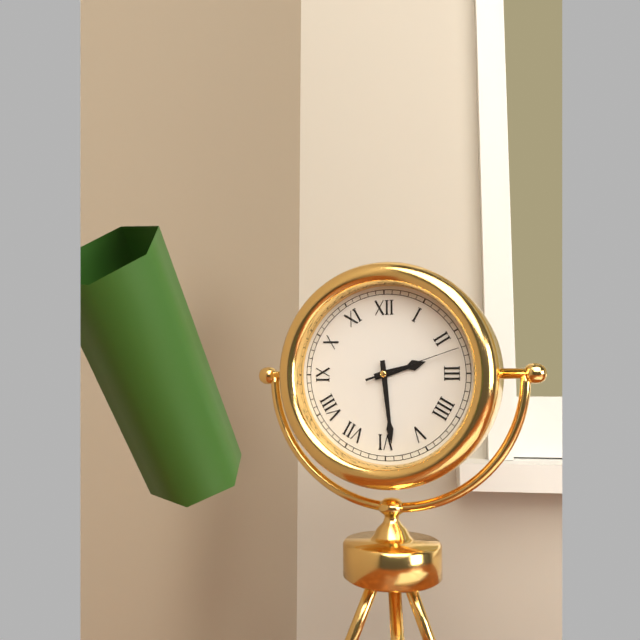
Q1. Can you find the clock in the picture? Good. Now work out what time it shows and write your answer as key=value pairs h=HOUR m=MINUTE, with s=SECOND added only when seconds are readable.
h=2 m=29 s=12
